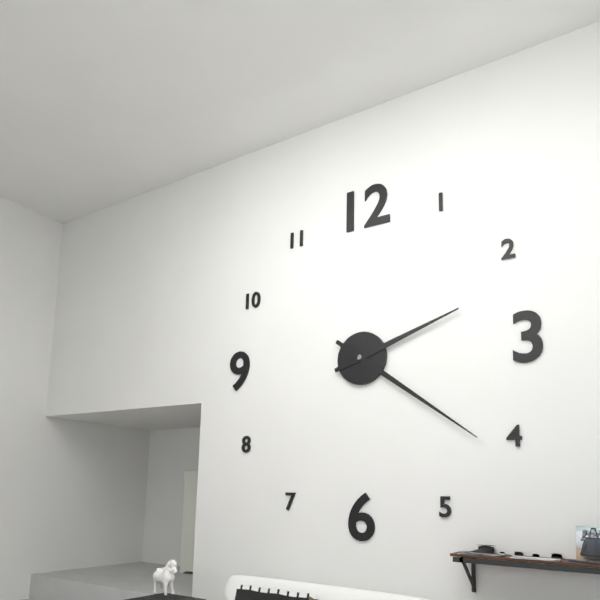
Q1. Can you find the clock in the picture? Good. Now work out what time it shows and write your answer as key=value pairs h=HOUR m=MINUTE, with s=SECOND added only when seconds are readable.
h=2 m=21
